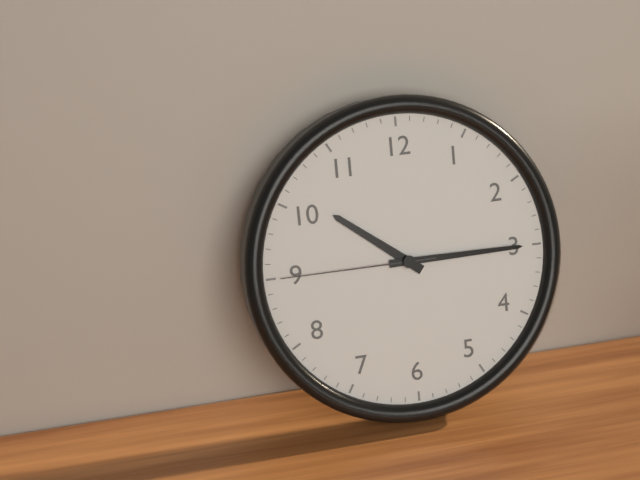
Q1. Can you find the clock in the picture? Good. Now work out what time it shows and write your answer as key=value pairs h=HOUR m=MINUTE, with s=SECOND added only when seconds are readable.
h=10 m=15 s=45
